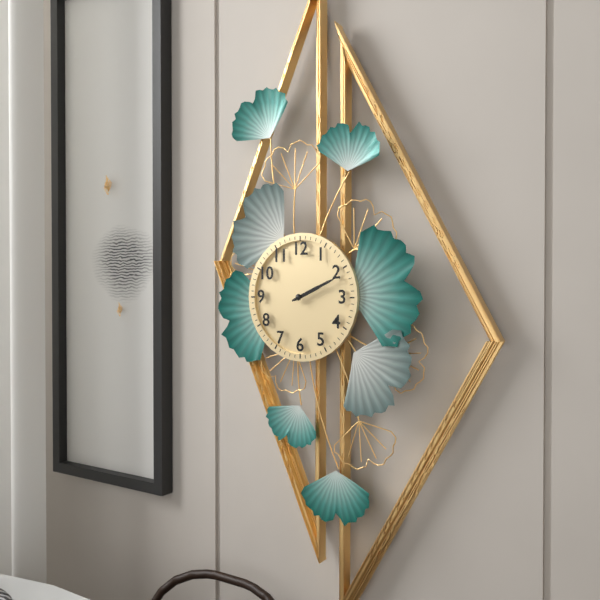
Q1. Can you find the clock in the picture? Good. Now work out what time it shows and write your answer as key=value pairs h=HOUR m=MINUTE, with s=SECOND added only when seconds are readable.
h=2 m=11
